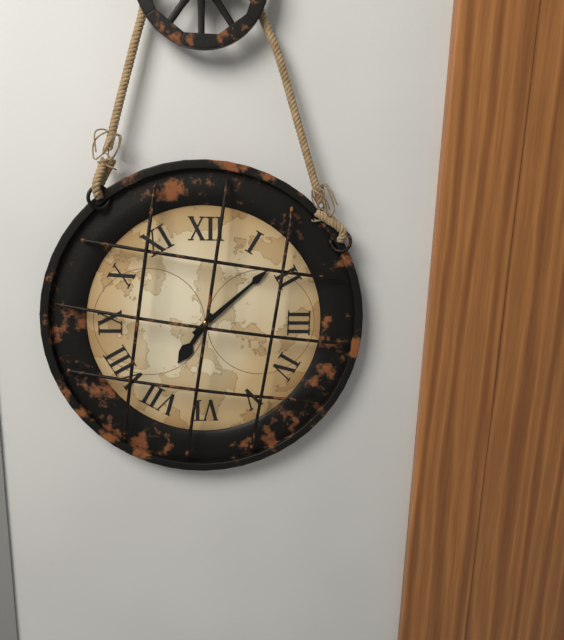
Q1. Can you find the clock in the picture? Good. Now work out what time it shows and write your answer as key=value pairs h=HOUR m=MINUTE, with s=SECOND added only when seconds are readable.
h=7 m=8
